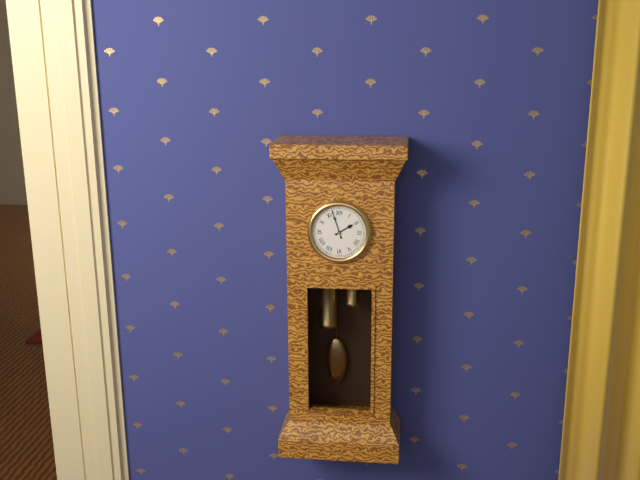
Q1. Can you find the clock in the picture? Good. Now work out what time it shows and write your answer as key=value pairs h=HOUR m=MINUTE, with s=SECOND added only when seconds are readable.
h=1 m=57
